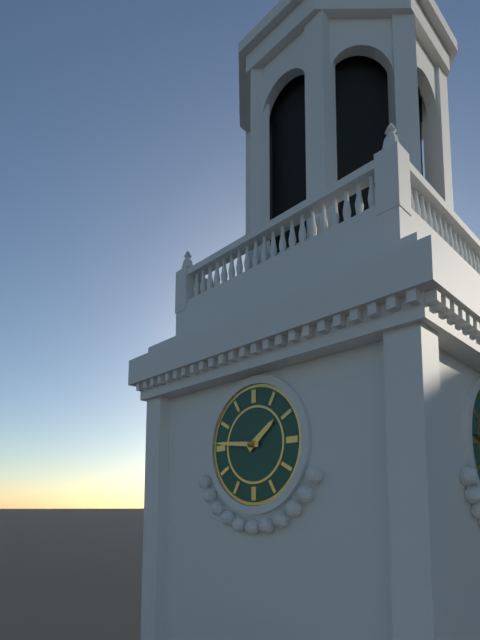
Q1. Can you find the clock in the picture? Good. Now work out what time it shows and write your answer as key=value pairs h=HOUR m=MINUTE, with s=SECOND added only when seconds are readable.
h=1 m=46
